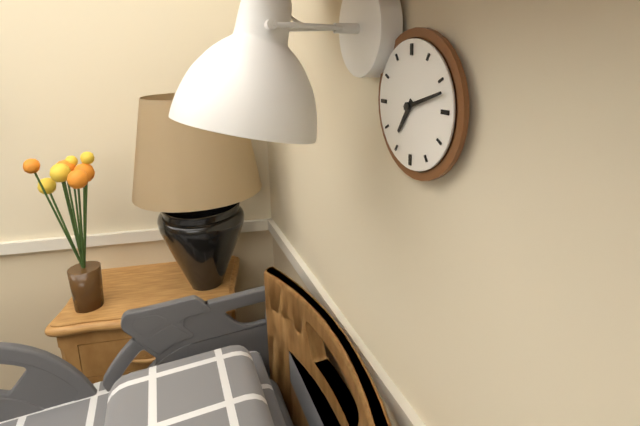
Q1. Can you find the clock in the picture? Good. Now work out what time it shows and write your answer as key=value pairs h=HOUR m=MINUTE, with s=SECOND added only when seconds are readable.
h=7 m=12
